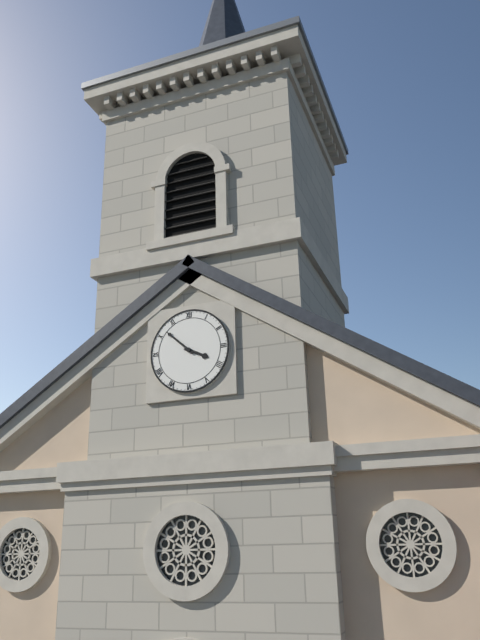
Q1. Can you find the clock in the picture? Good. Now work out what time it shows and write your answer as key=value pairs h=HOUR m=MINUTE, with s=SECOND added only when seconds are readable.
h=3 m=52
